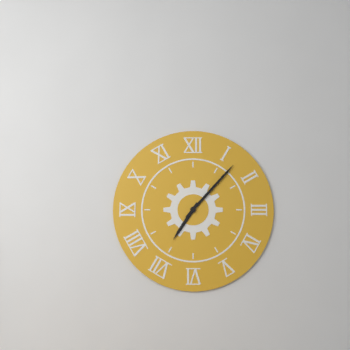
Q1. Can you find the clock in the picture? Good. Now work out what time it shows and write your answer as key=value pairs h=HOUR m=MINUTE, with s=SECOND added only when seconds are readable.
h=7 m=7
